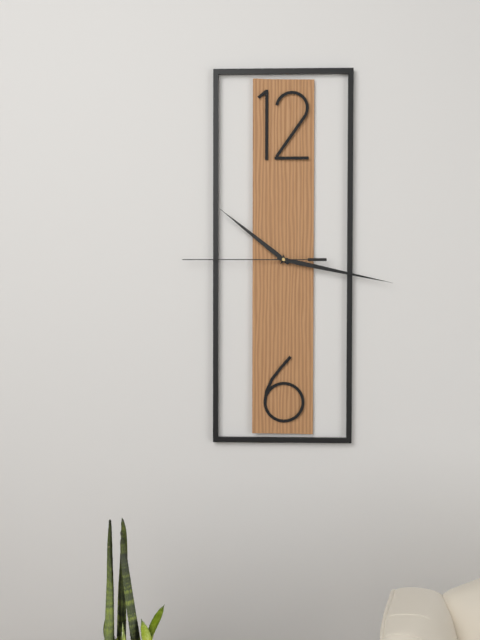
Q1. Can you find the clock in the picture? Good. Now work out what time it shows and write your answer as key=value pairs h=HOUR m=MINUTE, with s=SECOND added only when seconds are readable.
h=10 m=17 s=45
